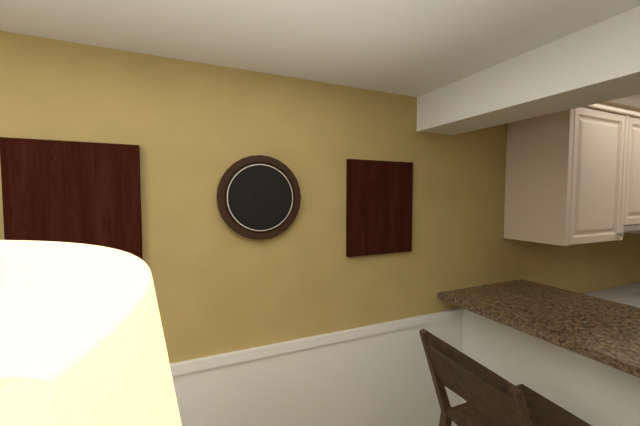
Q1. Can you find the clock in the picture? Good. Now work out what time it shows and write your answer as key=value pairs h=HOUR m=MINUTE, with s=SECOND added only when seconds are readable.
h=2 m=52
